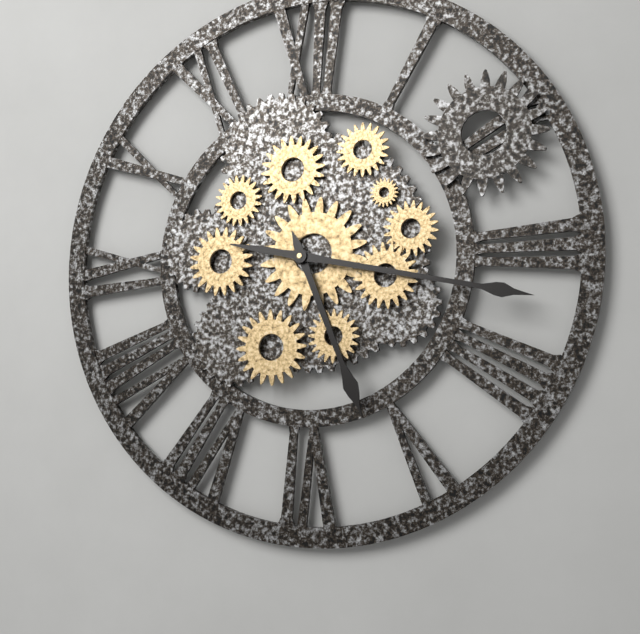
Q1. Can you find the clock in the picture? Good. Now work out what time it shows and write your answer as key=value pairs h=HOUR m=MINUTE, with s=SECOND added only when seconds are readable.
h=5 m=17
